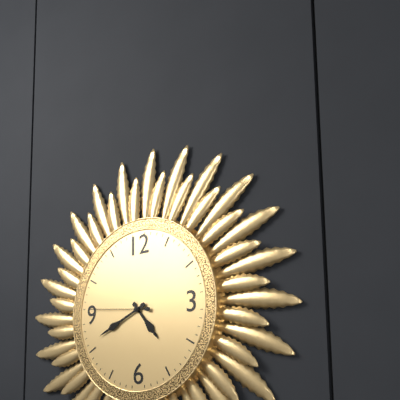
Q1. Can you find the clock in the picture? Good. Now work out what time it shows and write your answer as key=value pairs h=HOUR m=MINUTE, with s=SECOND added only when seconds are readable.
h=4 m=41 s=46
